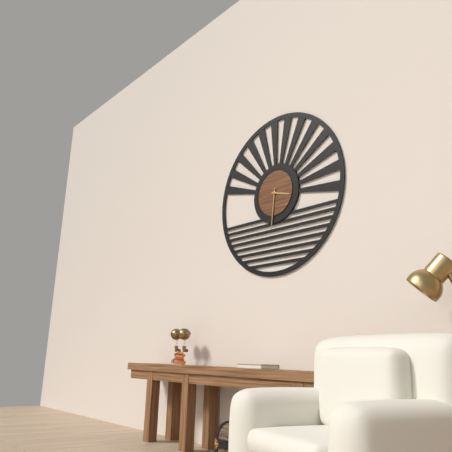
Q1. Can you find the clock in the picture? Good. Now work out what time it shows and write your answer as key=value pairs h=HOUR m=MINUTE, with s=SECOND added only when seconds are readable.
h=3 m=31
